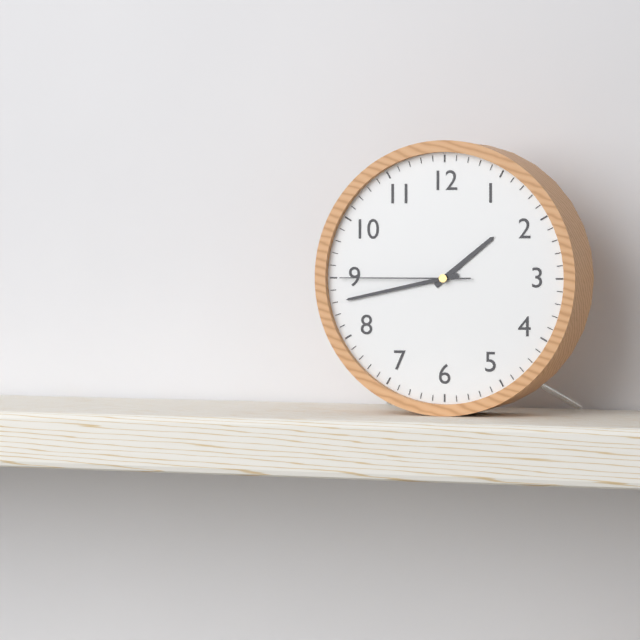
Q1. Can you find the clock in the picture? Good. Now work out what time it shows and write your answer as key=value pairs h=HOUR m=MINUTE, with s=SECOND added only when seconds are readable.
h=1 m=43 s=45
